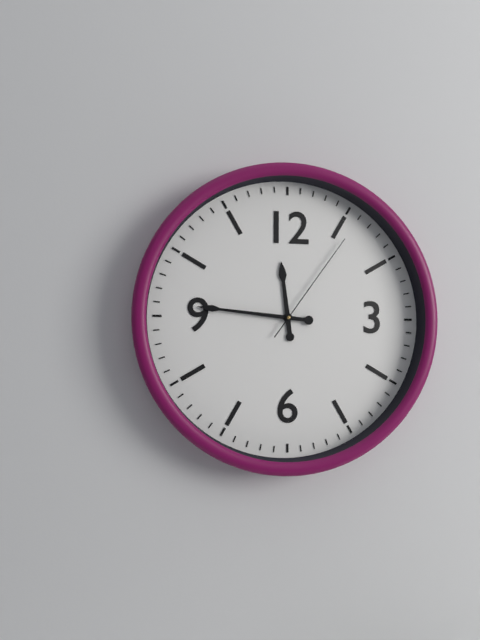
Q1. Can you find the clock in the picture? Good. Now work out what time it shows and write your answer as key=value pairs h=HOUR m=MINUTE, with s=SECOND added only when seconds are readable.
h=11 m=46 s=6
